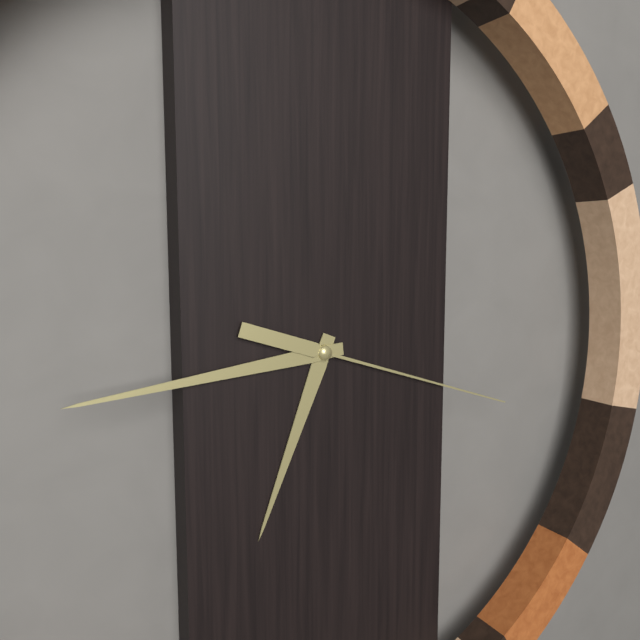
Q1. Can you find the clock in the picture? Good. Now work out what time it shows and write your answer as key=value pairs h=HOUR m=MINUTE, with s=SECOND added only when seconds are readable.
h=6 m=44 s=18
